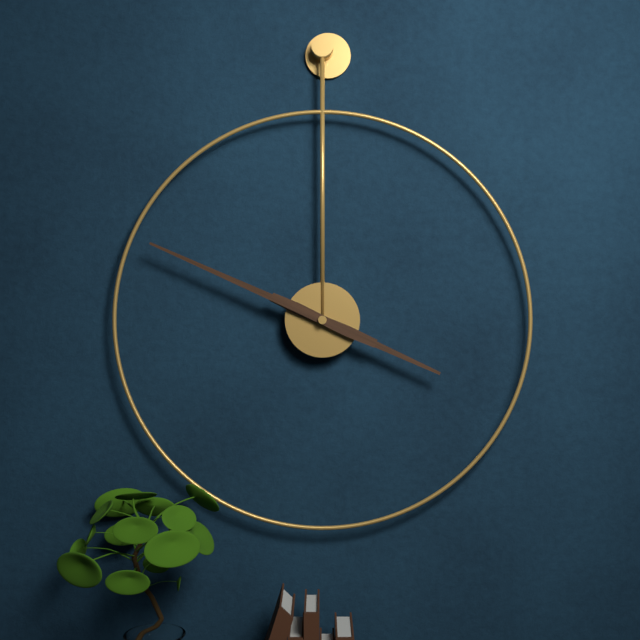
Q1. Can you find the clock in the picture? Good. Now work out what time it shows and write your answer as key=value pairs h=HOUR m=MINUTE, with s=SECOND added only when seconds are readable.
h=3 m=49
